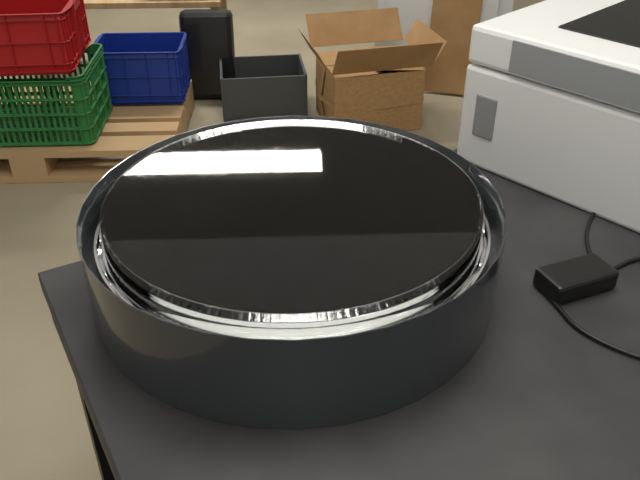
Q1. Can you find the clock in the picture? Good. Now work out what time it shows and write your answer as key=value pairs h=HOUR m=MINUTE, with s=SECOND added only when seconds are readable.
h=7 m=10
